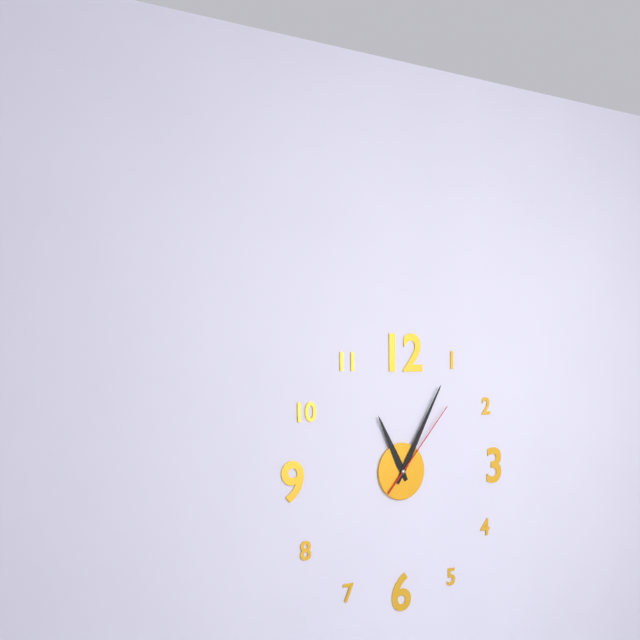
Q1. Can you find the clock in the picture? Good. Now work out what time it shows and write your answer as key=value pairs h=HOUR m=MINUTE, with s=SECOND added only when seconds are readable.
h=11 m=5 s=7
